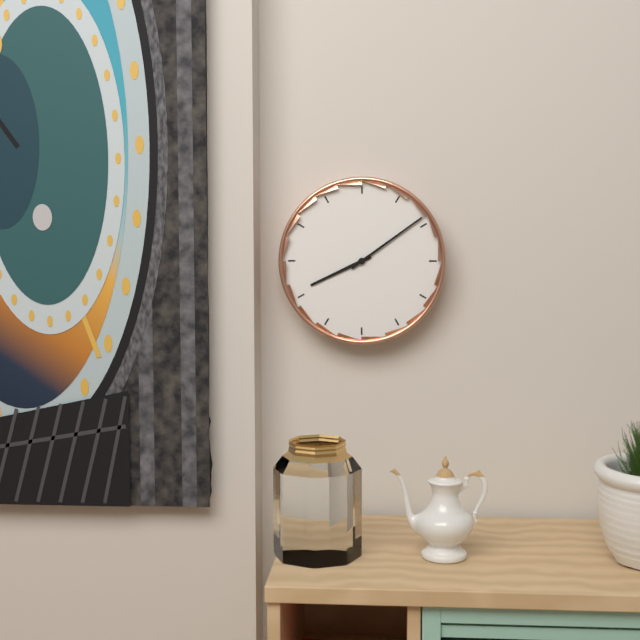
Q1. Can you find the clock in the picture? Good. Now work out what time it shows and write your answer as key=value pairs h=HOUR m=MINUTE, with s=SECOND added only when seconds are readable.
h=8 m=9
